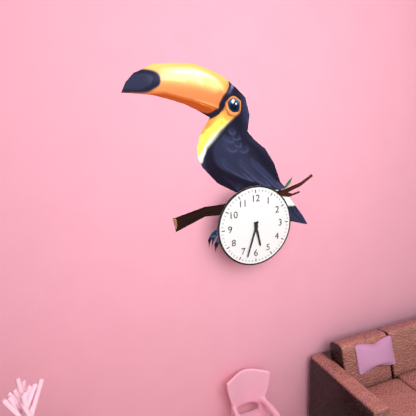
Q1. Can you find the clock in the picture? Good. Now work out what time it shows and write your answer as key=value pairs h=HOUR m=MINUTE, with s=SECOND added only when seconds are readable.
h=5 m=33
